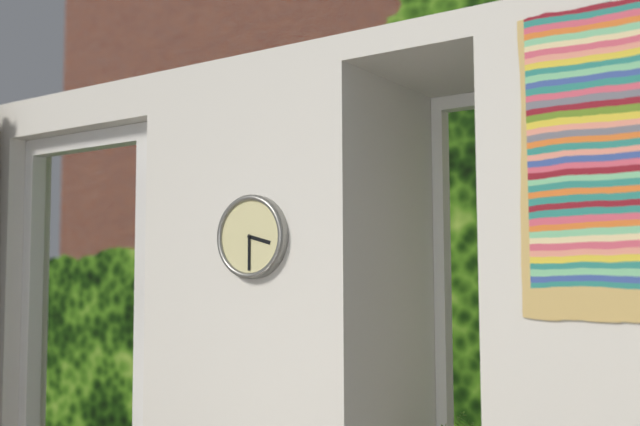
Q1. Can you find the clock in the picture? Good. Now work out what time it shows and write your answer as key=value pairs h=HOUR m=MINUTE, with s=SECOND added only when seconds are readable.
h=3 m=30
